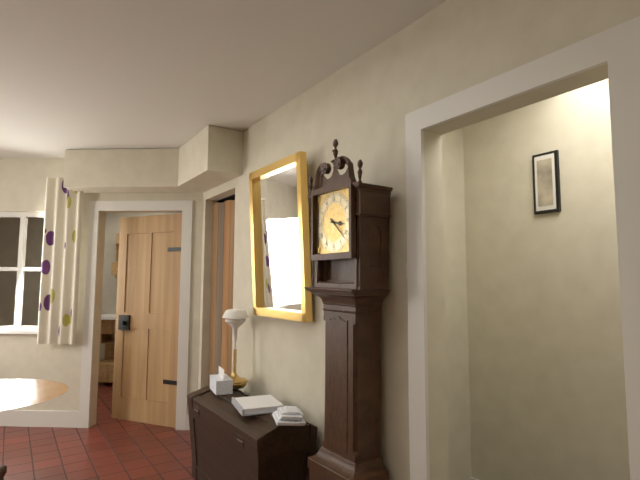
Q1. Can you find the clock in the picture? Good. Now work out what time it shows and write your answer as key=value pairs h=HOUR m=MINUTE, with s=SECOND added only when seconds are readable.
h=3 m=22
